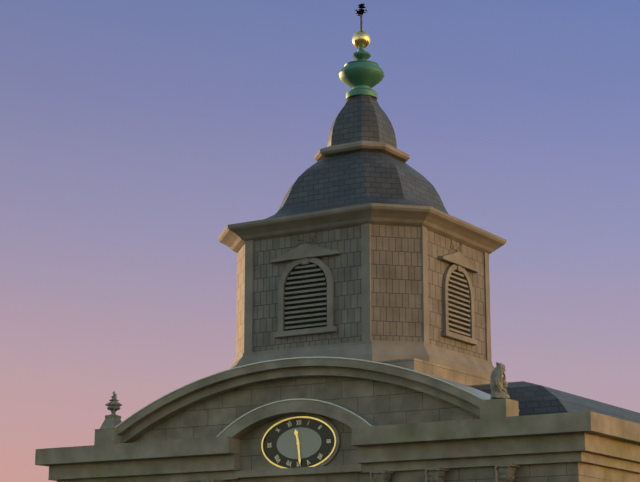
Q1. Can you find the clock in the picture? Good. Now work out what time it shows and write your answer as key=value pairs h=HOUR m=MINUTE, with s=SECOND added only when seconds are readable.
h=11 m=29
